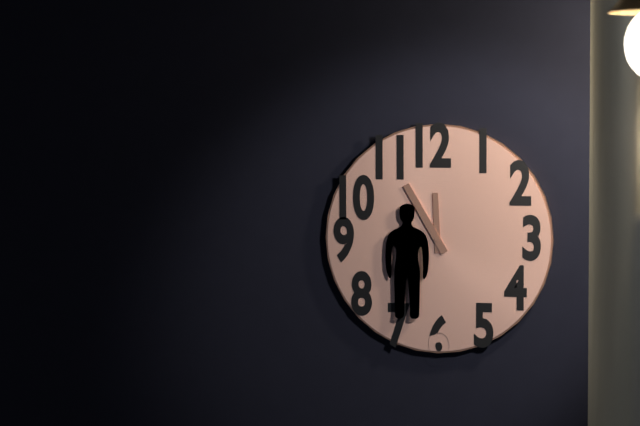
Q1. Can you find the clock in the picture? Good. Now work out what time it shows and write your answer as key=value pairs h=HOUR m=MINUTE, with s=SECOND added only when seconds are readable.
h=11 m=55
